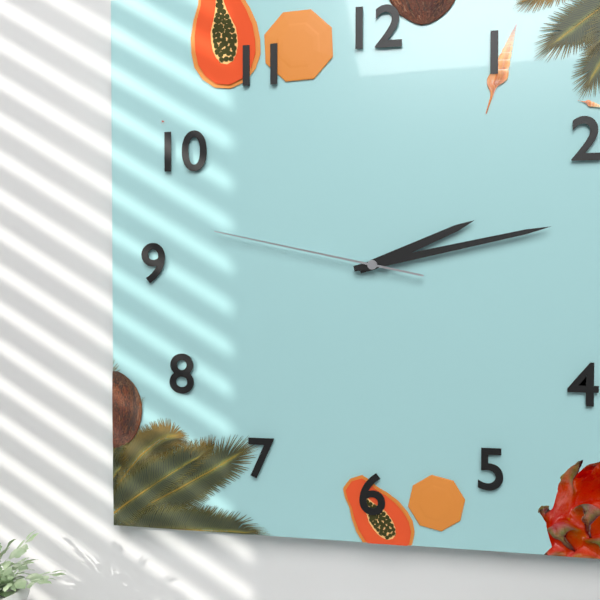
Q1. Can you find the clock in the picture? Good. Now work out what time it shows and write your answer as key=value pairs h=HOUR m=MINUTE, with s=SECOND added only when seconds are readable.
h=2 m=13 s=47
